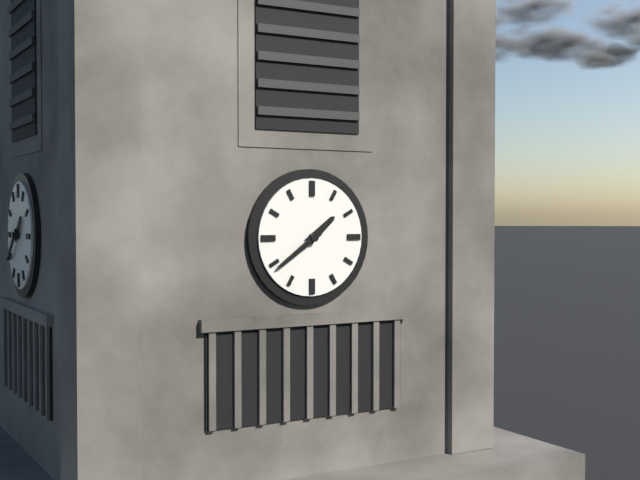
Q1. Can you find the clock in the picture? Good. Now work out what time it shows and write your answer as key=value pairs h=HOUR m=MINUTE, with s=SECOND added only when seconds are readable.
h=1 m=39
